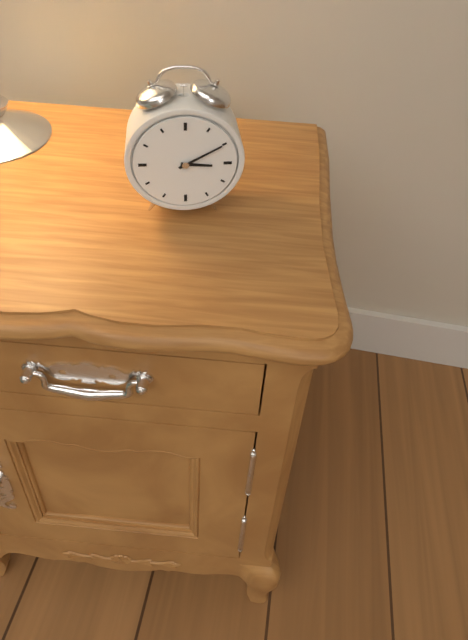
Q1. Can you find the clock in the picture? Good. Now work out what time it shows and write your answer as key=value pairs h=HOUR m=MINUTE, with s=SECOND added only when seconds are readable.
h=3 m=10
